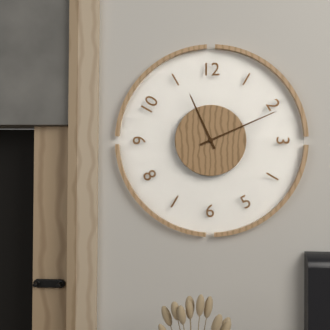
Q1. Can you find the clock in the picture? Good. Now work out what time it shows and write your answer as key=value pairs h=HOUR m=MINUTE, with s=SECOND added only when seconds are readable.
h=11 m=11
